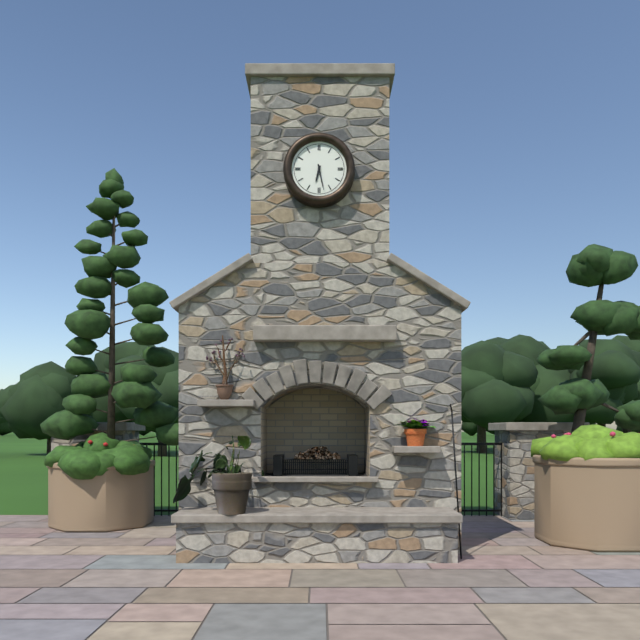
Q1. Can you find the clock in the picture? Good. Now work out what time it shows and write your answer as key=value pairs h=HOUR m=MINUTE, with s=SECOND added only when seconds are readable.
h=6 m=28
